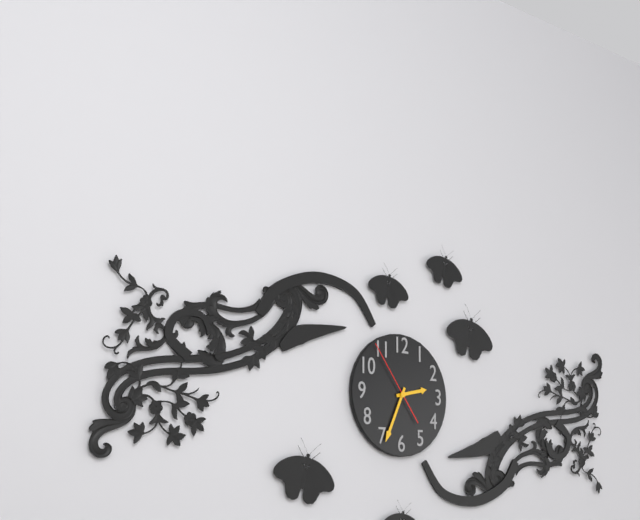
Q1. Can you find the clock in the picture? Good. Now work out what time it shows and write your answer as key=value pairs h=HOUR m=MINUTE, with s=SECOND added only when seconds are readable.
h=2 m=34 s=54
